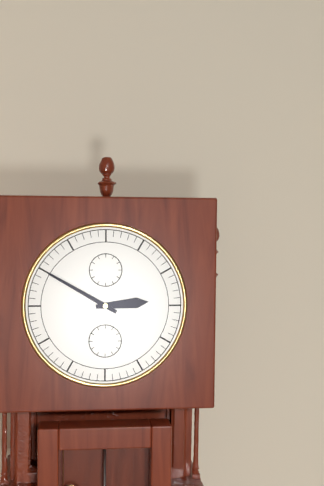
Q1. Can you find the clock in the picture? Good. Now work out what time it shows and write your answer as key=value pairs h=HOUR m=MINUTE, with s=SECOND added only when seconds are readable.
h=2 m=50
